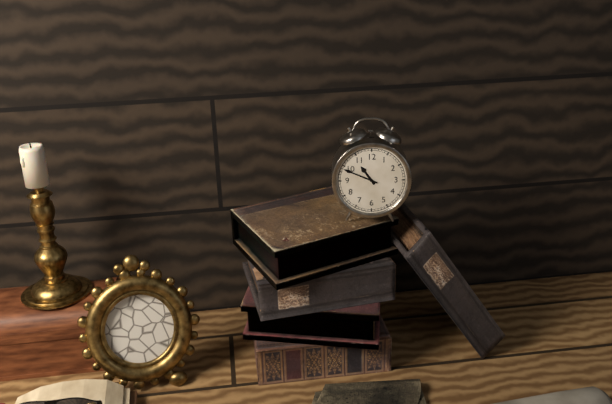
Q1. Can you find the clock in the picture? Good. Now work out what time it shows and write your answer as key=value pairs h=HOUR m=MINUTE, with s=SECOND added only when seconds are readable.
h=10 m=49
